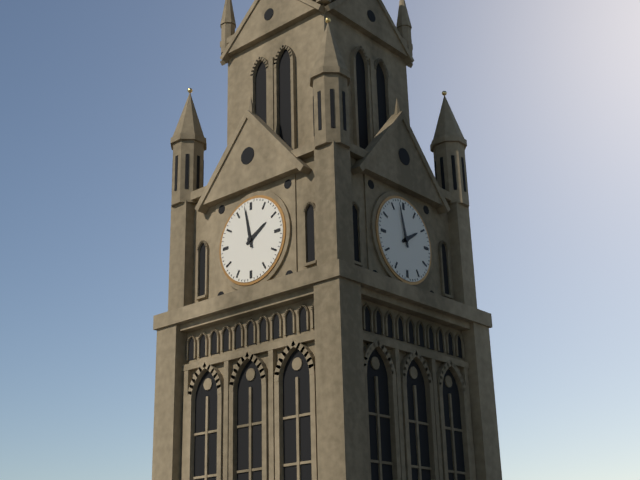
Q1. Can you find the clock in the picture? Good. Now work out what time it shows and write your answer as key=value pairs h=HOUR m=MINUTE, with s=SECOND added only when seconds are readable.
h=1 m=58
